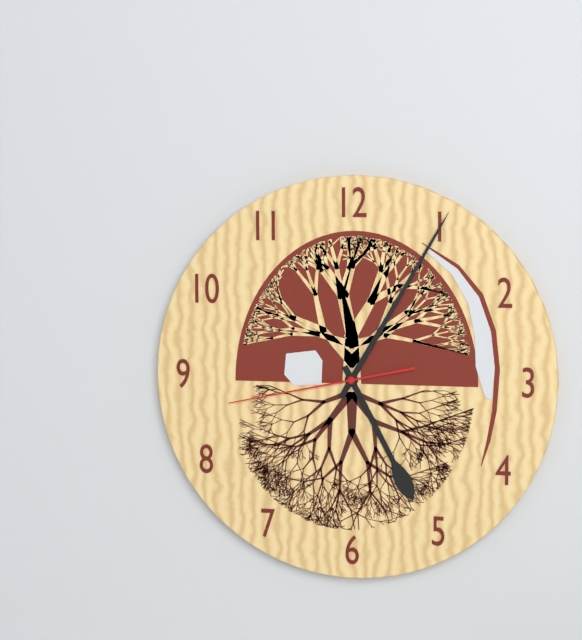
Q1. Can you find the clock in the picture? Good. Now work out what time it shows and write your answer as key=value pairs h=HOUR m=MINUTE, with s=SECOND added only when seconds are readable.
h=5 m=5 s=43
